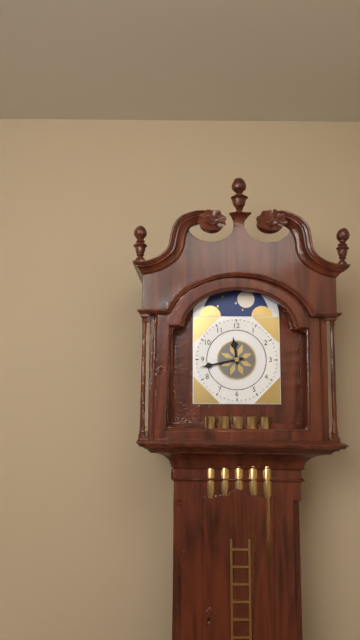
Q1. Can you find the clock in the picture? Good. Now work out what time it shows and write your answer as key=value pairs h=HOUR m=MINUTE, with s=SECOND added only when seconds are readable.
h=11 m=43
